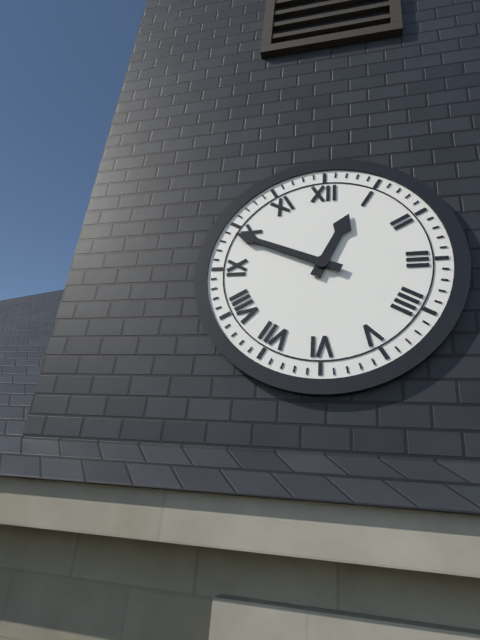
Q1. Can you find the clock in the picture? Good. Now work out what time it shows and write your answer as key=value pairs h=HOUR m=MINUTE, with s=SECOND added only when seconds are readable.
h=12 m=49
